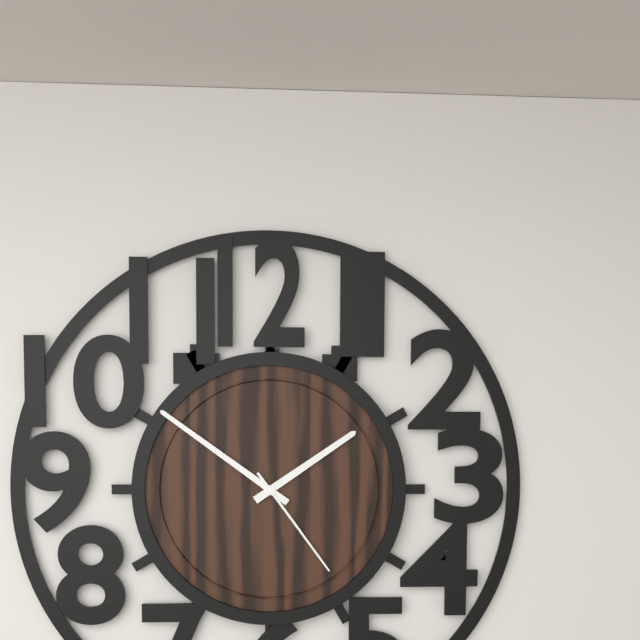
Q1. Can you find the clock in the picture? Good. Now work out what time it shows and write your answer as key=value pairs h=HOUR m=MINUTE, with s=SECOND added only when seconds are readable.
h=1 m=51 s=24
